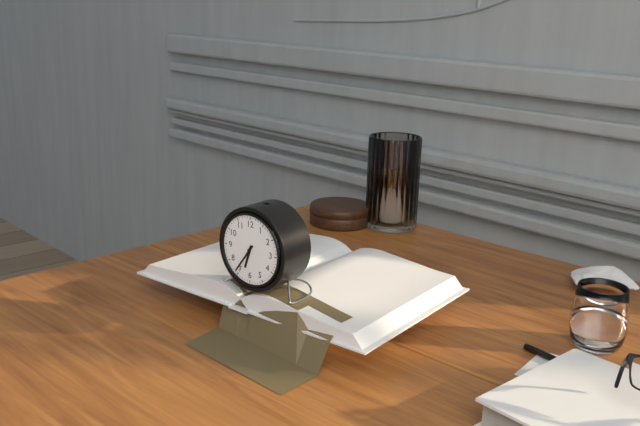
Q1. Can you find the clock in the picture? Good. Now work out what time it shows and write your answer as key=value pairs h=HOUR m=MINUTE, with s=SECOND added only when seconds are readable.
h=6 m=36
